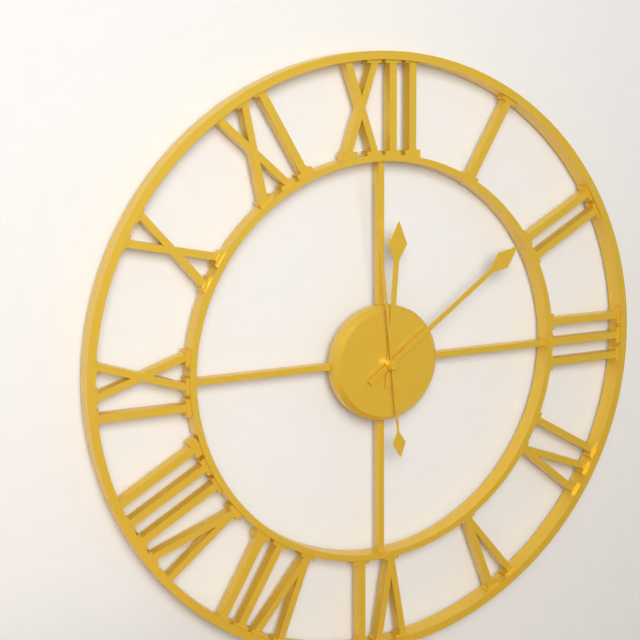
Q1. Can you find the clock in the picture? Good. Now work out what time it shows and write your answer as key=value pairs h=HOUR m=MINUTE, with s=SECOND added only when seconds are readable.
h=12 m=9 s=59
